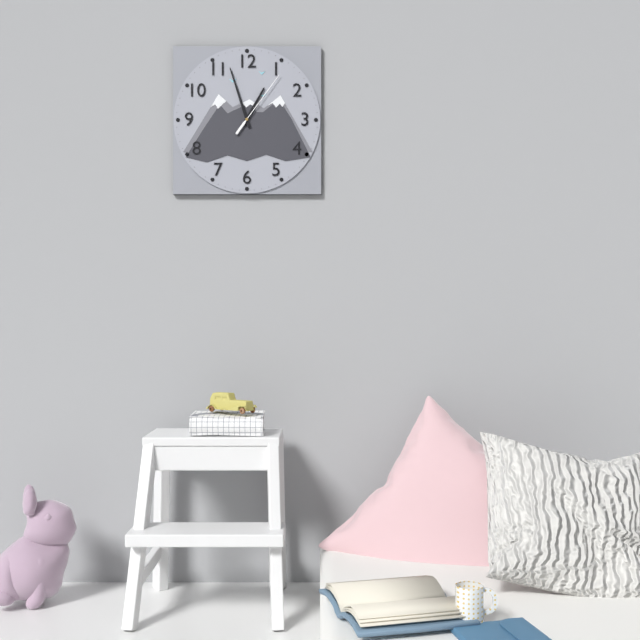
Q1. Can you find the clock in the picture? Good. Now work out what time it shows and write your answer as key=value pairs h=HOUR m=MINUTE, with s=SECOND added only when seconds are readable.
h=12 m=57 s=6
